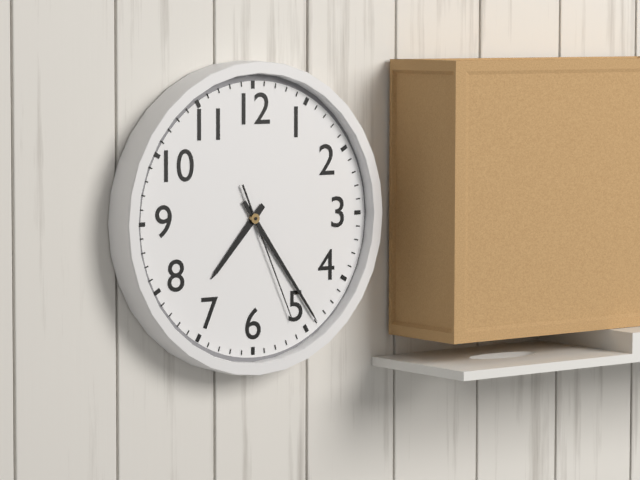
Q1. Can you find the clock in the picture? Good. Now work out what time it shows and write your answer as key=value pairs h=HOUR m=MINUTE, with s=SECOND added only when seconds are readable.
h=7 m=24 s=26
